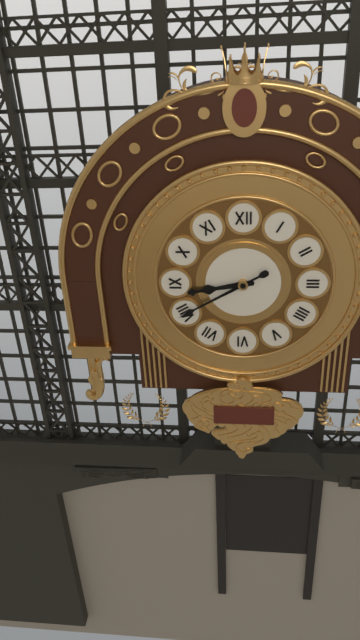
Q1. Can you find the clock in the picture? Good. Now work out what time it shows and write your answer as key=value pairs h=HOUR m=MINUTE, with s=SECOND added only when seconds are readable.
h=8 m=40
